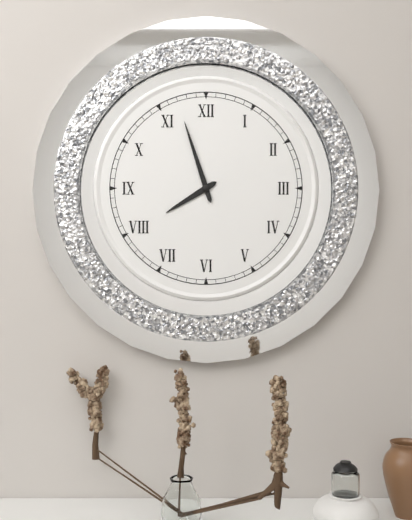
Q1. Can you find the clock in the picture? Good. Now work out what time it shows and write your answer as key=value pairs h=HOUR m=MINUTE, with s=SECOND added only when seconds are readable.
h=7 m=57
